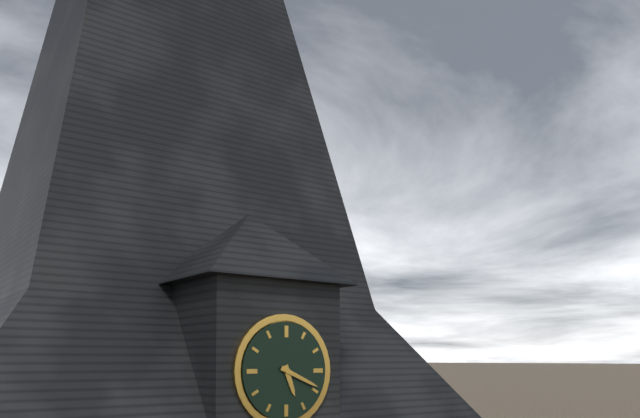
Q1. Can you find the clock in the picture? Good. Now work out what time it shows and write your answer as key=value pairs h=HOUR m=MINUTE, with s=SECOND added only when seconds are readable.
h=5 m=19
